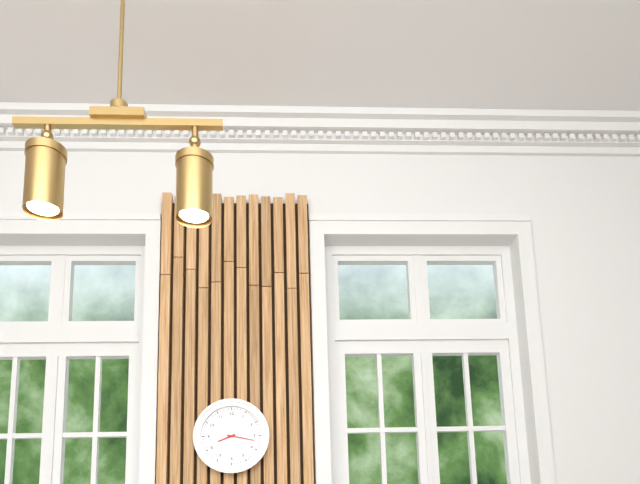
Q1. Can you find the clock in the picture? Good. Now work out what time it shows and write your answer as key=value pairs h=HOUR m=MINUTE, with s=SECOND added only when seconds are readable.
h=8 m=17
